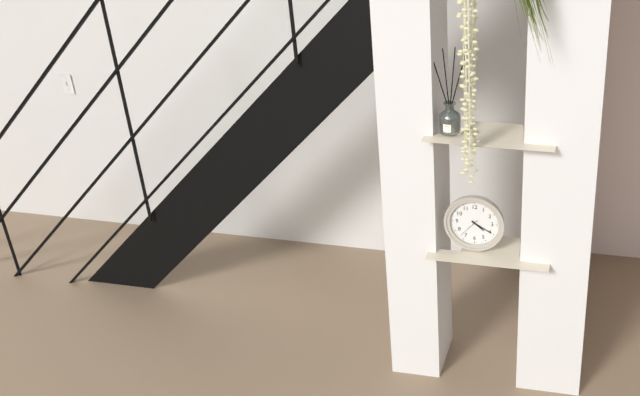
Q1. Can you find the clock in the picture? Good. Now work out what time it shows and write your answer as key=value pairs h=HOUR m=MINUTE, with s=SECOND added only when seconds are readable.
h=4 m=20
